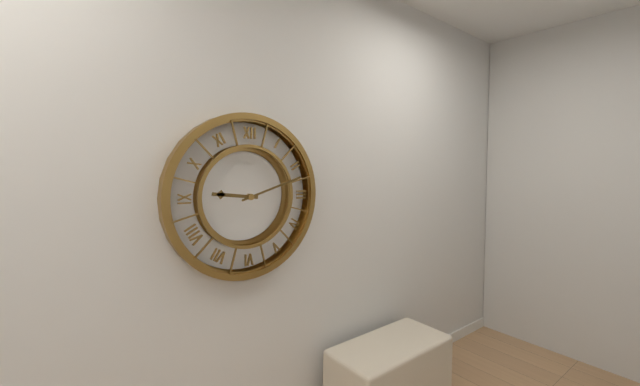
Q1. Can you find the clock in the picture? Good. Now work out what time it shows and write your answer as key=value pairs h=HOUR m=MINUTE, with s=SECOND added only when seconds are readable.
h=9 m=12
